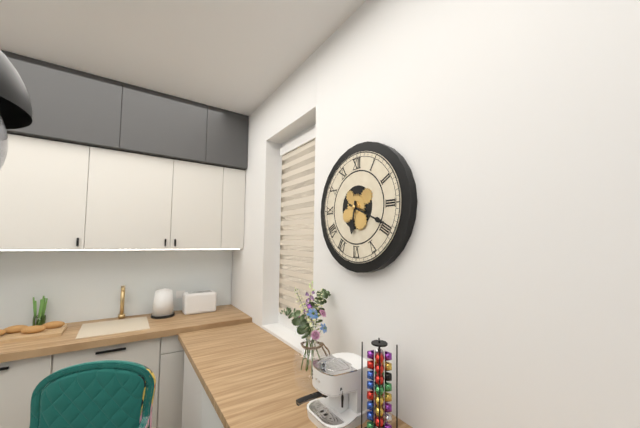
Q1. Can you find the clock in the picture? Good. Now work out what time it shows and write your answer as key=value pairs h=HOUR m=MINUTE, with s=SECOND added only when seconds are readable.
h=6 m=19
